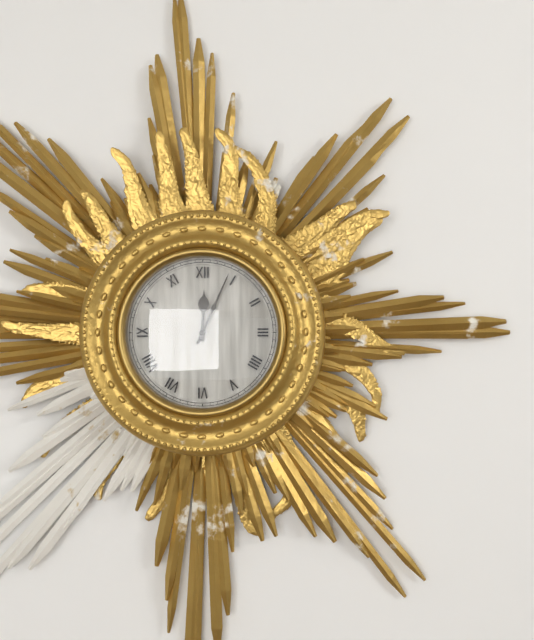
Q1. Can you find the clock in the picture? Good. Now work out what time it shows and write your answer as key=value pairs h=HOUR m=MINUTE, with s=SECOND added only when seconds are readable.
h=12 m=4
